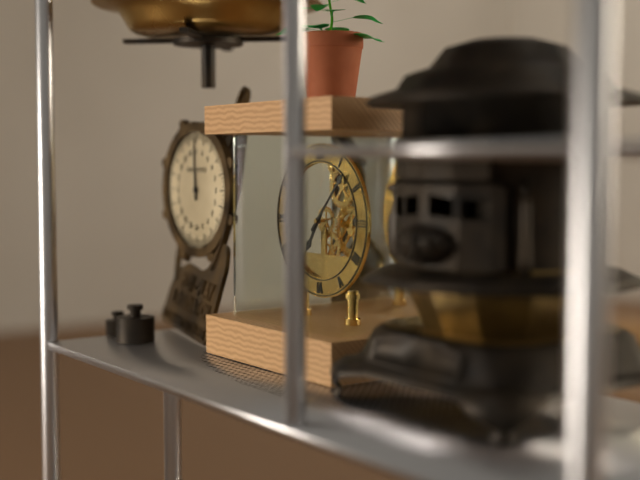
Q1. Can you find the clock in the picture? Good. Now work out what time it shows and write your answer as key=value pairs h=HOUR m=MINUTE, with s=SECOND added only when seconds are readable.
h=7 m=7
